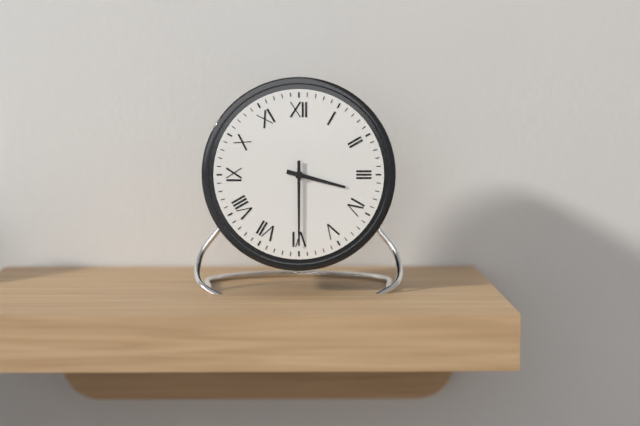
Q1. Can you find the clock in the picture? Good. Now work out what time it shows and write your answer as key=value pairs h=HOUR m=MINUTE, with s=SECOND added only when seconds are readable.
h=3 m=30
